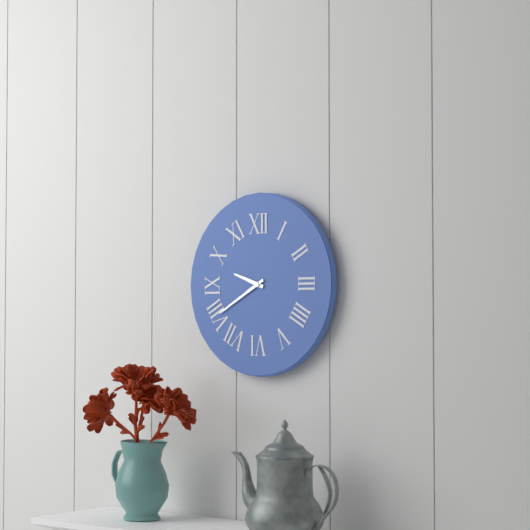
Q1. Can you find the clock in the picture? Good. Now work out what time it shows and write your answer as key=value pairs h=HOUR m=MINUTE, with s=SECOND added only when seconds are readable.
h=9 m=40
